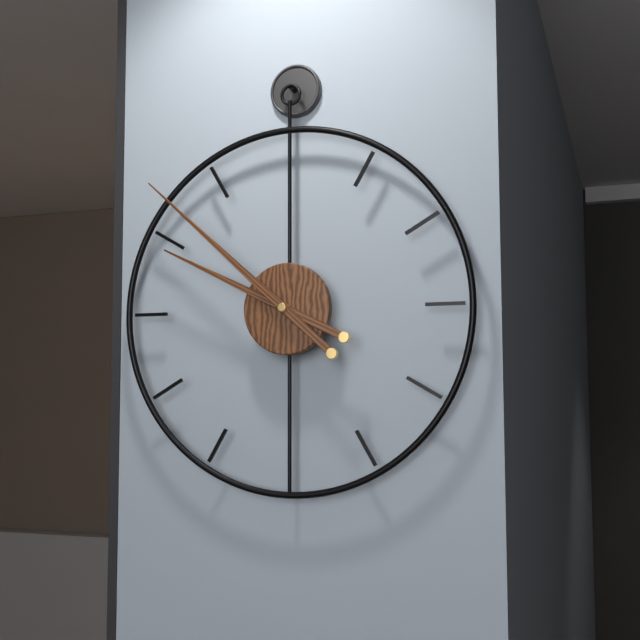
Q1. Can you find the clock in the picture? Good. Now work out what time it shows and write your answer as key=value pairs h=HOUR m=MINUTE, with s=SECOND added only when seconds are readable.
h=9 m=52
